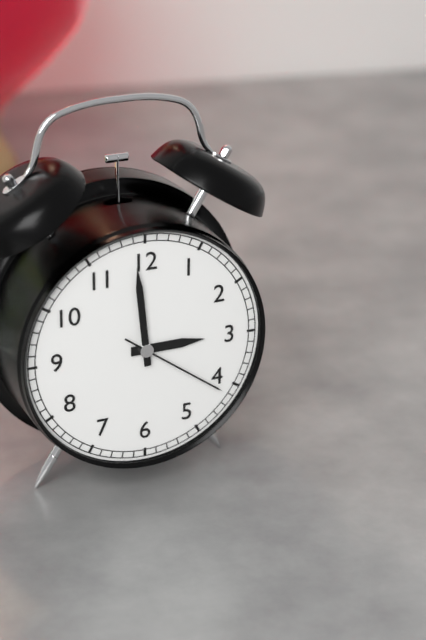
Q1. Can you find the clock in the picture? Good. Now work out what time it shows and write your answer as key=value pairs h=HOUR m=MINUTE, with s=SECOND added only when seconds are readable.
h=2 m=59 s=21
